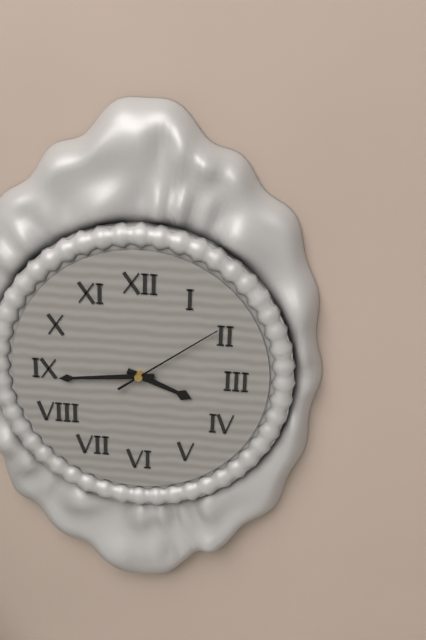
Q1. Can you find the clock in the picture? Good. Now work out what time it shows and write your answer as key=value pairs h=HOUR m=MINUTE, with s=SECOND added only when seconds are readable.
h=3 m=44 s=9
